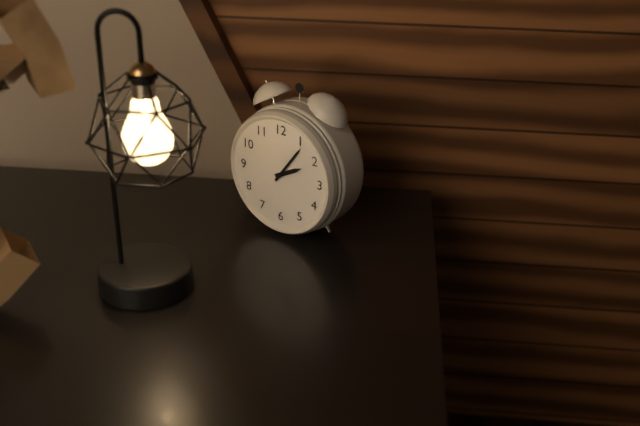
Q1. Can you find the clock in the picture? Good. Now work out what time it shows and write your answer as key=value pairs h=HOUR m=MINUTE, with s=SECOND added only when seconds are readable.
h=2 m=6
